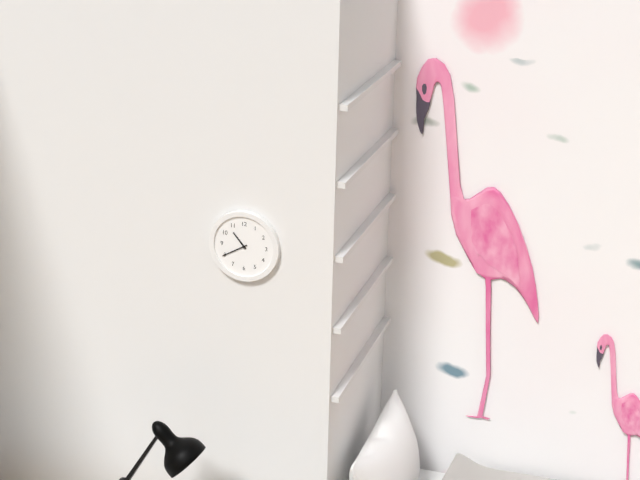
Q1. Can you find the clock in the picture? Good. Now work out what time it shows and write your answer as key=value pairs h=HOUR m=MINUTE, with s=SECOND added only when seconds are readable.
h=10 m=40
